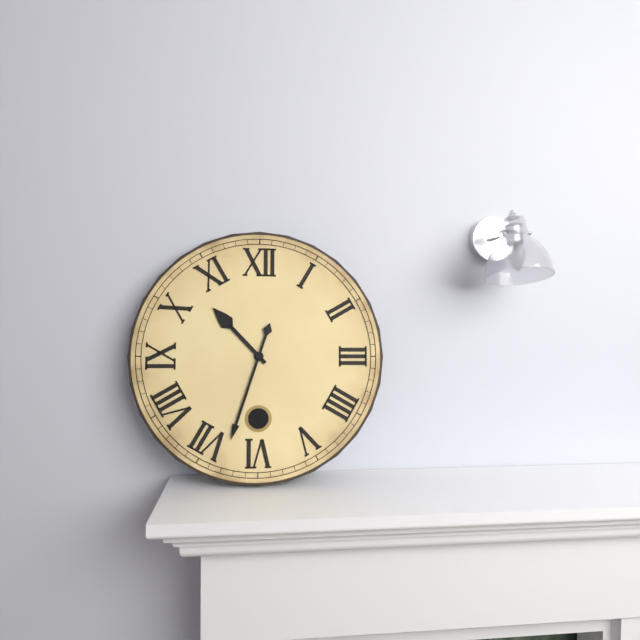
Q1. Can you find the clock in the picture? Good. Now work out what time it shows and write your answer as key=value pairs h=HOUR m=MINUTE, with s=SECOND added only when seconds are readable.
h=10 m=33
